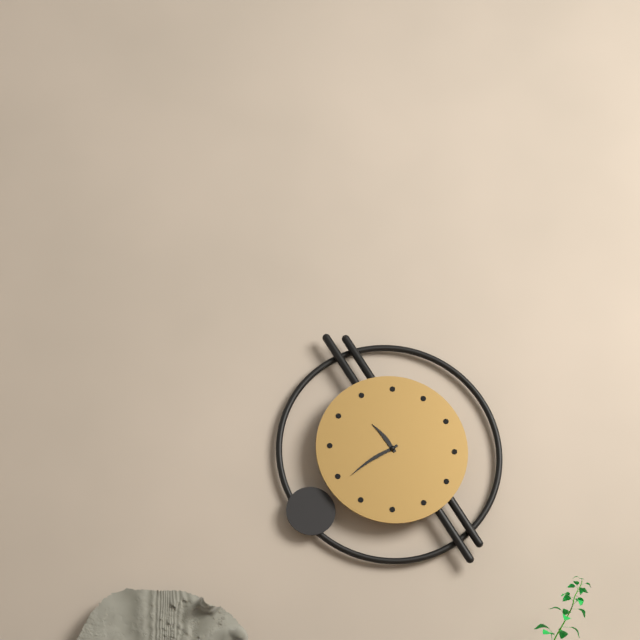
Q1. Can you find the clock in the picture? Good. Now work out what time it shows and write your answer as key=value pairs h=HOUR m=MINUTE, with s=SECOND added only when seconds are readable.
h=10 m=39
